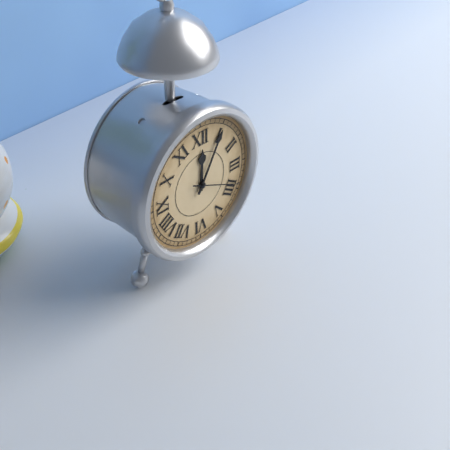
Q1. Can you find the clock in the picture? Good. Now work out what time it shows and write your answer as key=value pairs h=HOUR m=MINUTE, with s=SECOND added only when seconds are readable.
h=12 m=5
